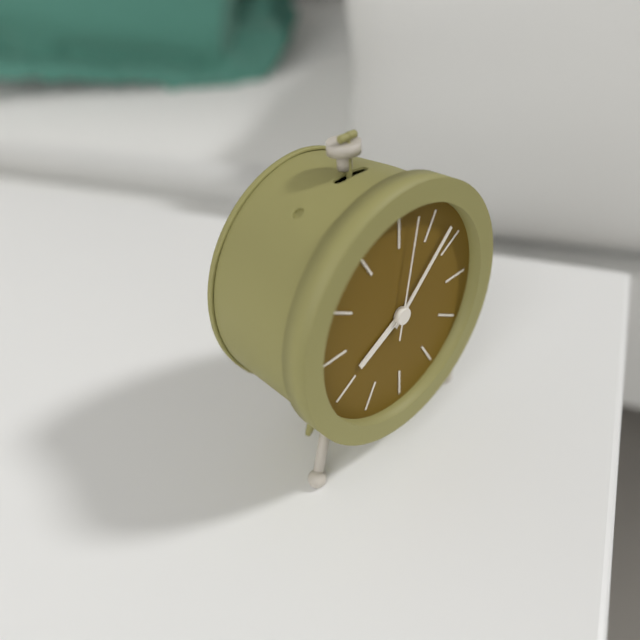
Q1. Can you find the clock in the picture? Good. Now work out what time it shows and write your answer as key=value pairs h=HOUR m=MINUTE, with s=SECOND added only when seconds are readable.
h=8 m=8 s=2
